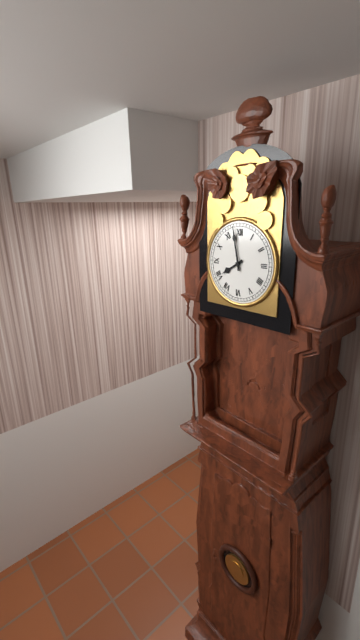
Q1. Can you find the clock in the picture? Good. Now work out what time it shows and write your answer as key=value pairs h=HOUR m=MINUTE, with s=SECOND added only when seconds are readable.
h=7 m=58
